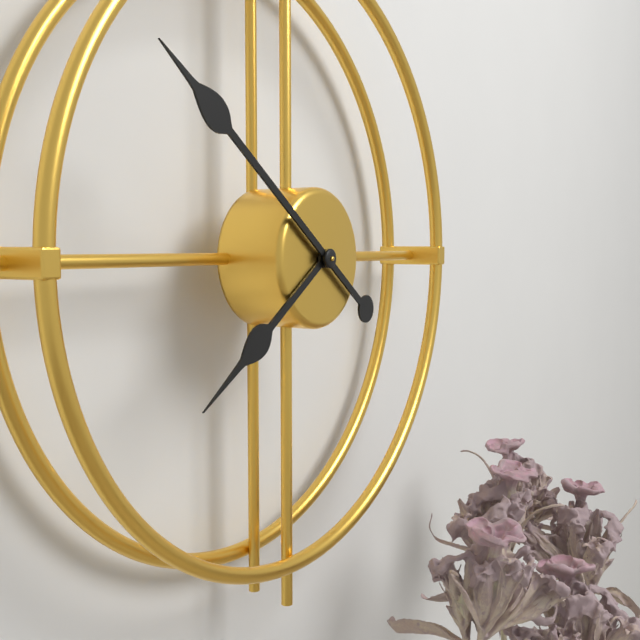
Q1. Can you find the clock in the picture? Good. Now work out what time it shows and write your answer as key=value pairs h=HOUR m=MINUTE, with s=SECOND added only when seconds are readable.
h=7 m=51
